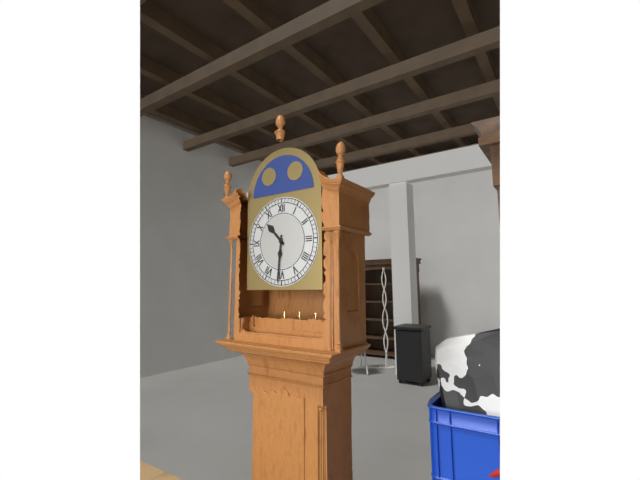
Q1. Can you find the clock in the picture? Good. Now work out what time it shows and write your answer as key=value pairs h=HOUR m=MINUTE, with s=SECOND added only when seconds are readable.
h=10 m=31
